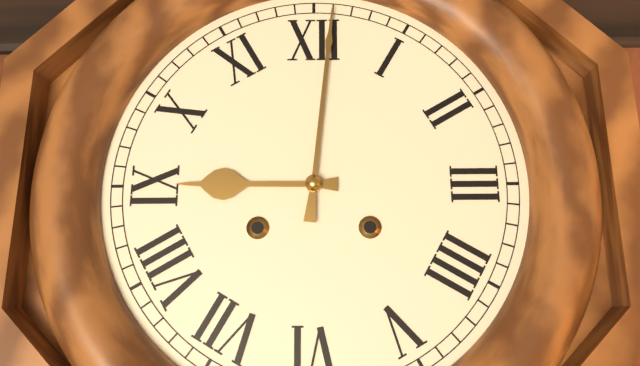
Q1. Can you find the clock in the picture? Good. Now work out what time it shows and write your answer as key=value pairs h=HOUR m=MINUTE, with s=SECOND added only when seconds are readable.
h=9 m=1
